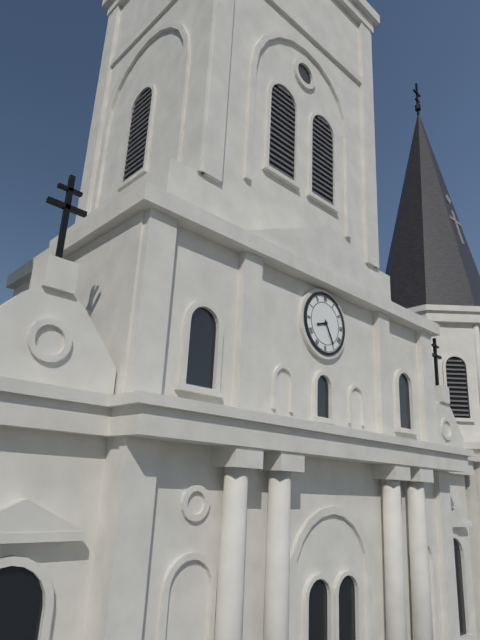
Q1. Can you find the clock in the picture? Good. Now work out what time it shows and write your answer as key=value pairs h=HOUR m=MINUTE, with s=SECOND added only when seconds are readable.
h=8 m=25
